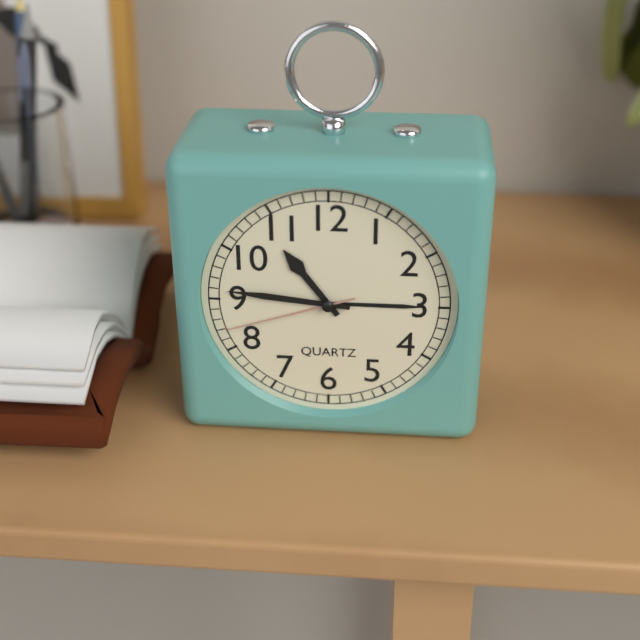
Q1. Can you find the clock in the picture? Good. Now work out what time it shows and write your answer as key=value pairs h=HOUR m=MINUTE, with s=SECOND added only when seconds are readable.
h=10 m=46 s=42
